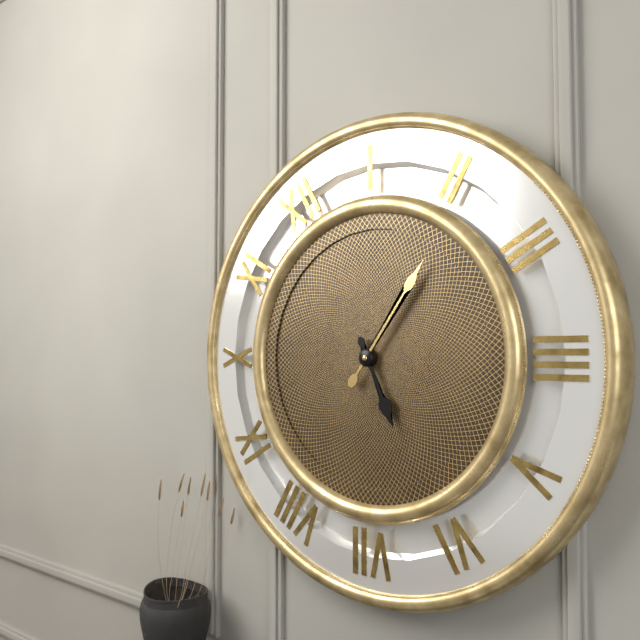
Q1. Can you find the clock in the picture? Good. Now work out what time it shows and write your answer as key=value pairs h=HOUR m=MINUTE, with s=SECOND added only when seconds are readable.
h=6 m=11
